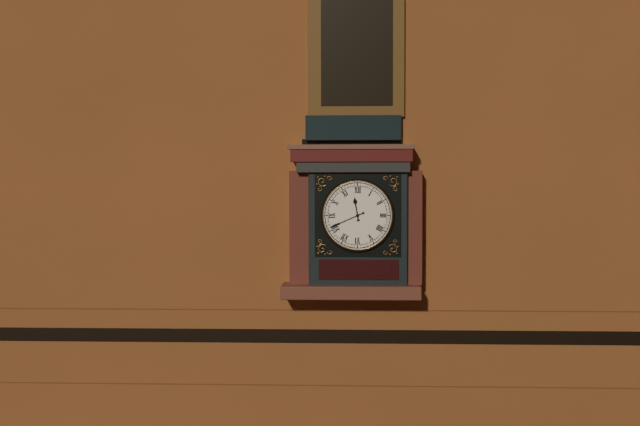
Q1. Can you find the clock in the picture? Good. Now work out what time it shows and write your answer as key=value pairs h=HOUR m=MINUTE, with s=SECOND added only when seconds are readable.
h=11 m=41
